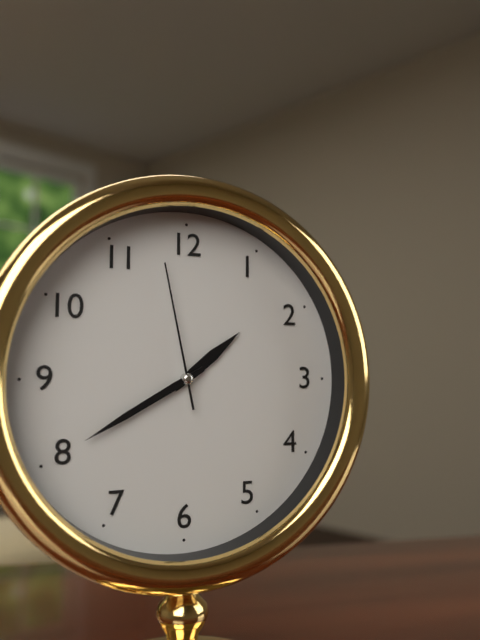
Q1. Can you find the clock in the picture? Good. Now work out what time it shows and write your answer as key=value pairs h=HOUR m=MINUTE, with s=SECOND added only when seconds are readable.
h=1 m=40 s=58
